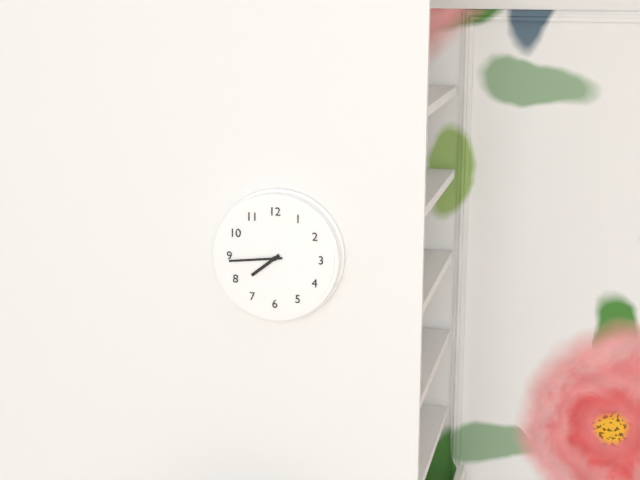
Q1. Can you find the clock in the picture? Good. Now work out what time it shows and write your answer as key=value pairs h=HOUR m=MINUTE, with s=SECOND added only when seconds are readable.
h=7 m=44
